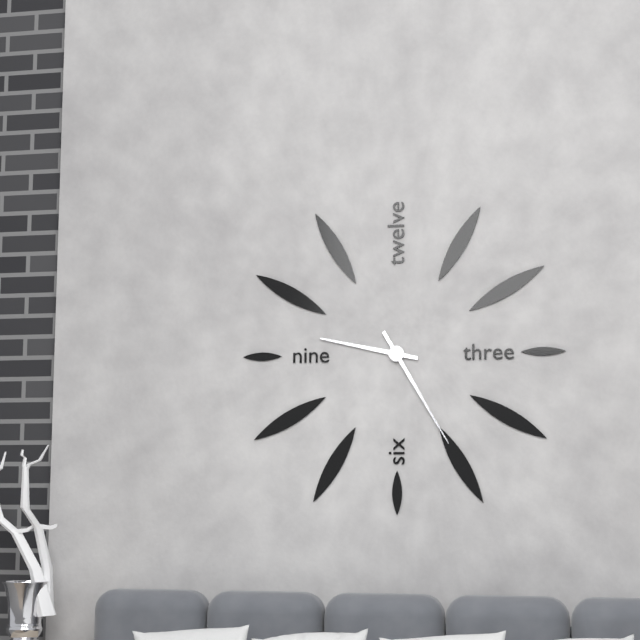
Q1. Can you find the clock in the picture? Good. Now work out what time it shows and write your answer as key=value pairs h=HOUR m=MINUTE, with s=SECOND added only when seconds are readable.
h=9 m=25
